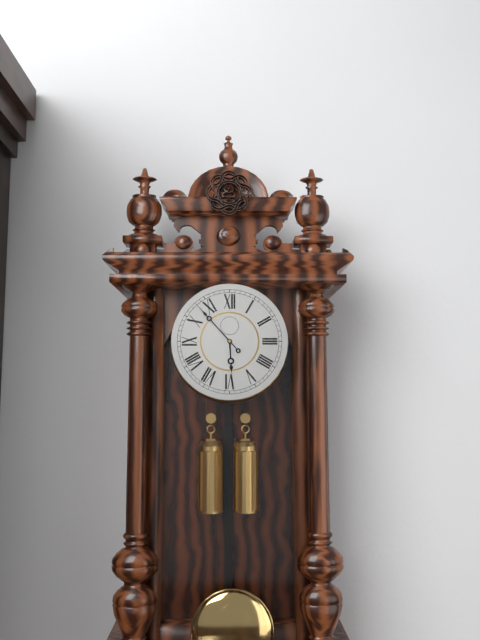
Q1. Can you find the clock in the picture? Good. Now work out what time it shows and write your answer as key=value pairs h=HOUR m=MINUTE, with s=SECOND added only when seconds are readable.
h=5 m=53
